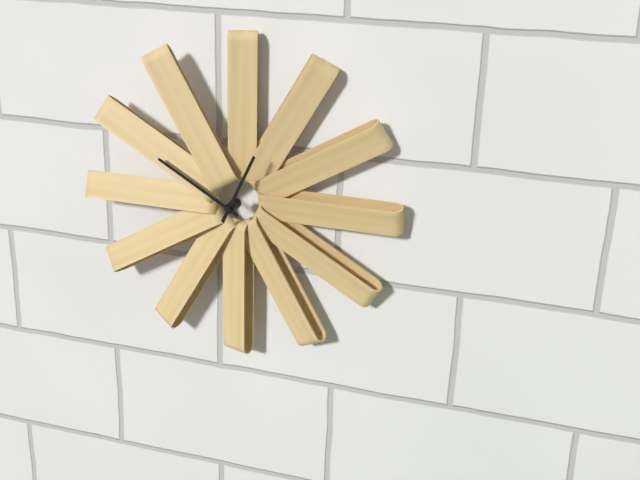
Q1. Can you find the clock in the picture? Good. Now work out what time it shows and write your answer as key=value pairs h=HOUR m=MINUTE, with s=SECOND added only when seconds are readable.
h=12 m=50
